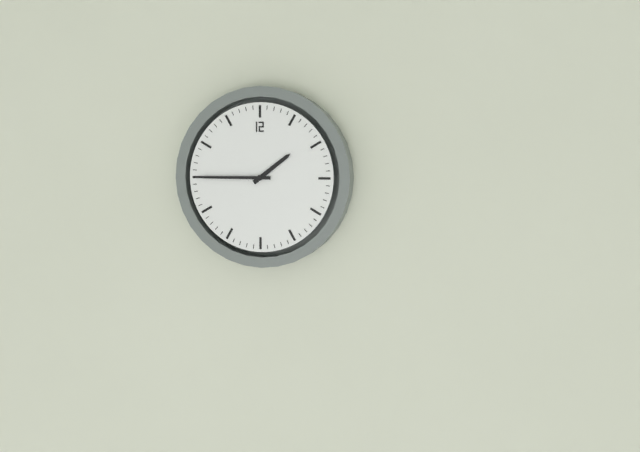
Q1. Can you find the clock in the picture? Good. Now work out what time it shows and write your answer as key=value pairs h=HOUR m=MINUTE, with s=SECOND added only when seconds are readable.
h=1 m=45
